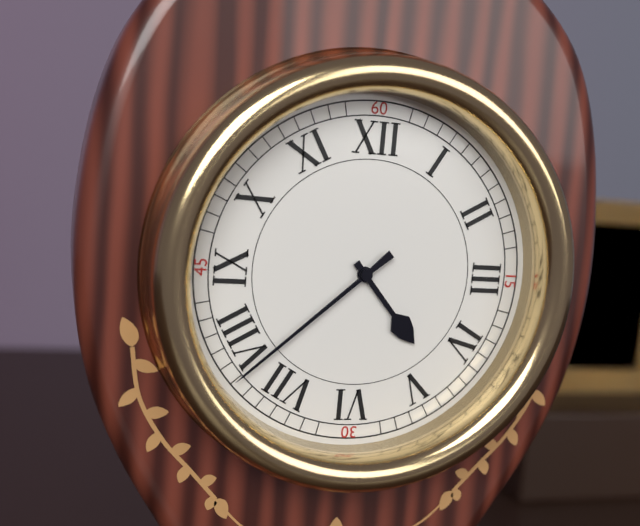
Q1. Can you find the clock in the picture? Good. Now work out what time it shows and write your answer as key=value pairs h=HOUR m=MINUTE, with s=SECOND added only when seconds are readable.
h=4 m=38
